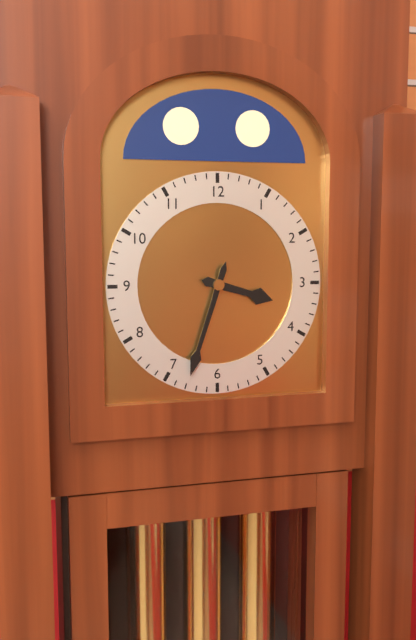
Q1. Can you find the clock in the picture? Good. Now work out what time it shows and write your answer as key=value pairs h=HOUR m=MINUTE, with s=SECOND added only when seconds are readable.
h=3 m=33
